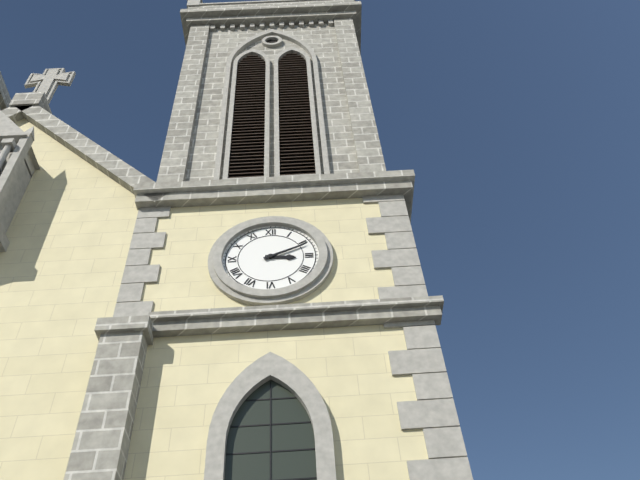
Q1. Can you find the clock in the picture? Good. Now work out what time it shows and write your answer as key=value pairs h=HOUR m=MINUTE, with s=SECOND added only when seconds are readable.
h=3 m=11
